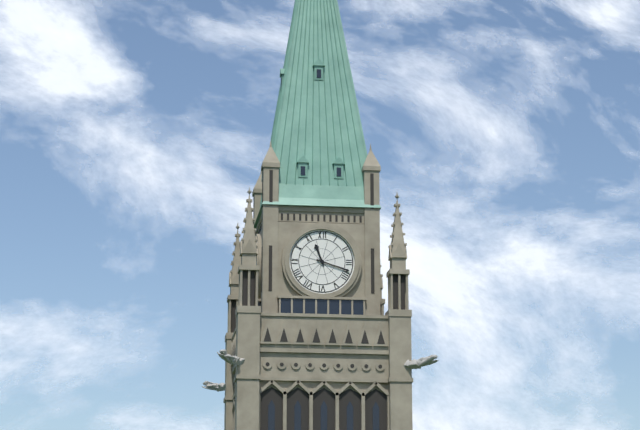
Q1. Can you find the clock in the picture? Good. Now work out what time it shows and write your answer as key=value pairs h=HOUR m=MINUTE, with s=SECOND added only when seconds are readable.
h=11 m=18
